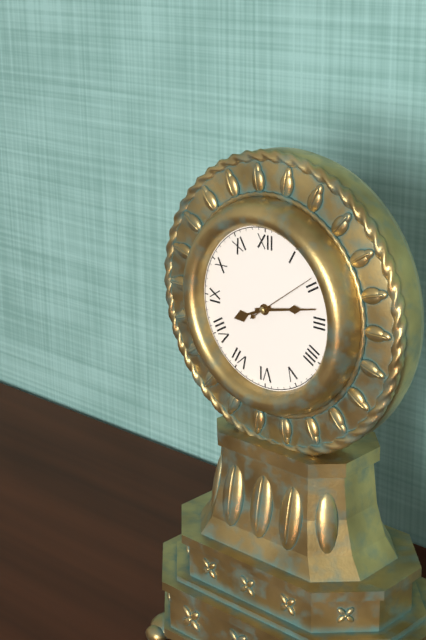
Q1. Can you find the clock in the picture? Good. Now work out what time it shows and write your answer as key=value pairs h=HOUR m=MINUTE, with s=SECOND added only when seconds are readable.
h=8 m=13 s=9
